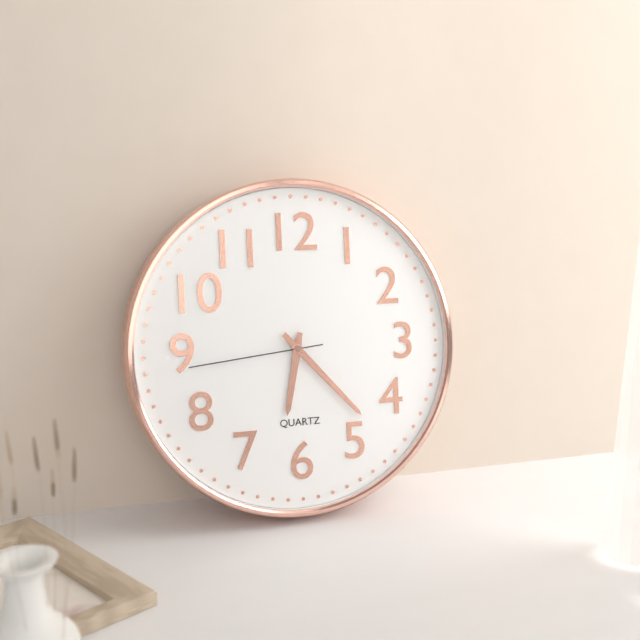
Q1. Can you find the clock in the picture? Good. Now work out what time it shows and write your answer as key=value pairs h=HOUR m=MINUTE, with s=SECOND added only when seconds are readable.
h=6 m=23 s=44
